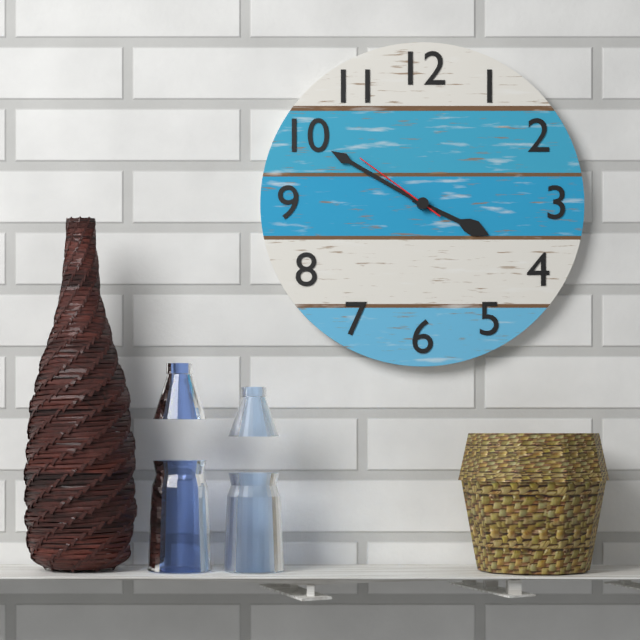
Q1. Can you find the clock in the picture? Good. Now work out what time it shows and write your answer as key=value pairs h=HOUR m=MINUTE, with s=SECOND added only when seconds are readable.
h=3 m=50 s=51
